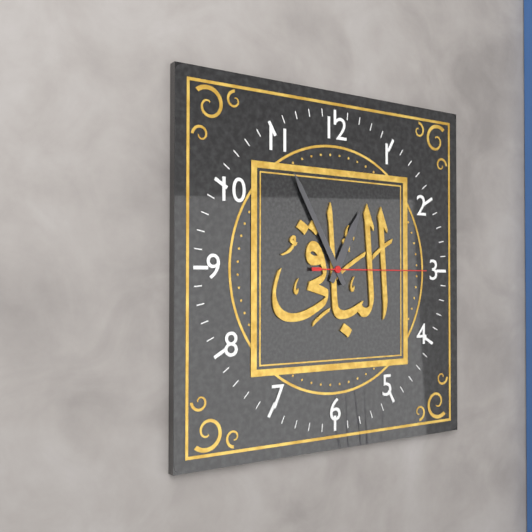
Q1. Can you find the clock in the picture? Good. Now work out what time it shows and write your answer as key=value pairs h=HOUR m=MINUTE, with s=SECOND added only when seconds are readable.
h=12 m=55 s=15
